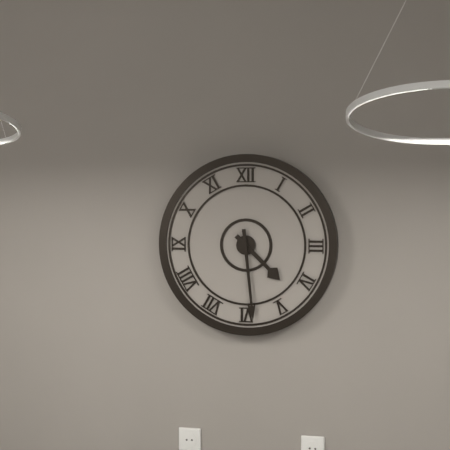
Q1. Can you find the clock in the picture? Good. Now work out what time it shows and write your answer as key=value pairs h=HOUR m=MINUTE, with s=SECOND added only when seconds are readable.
h=4 m=29
